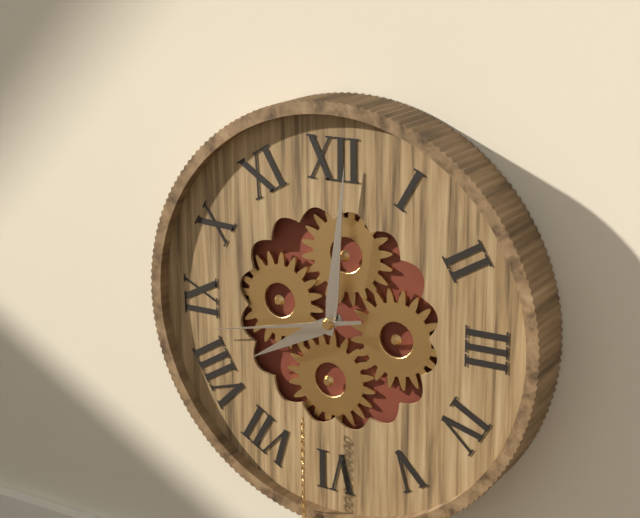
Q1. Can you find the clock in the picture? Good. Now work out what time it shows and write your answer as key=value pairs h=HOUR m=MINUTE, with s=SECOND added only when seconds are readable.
h=8 m=1 s=43
